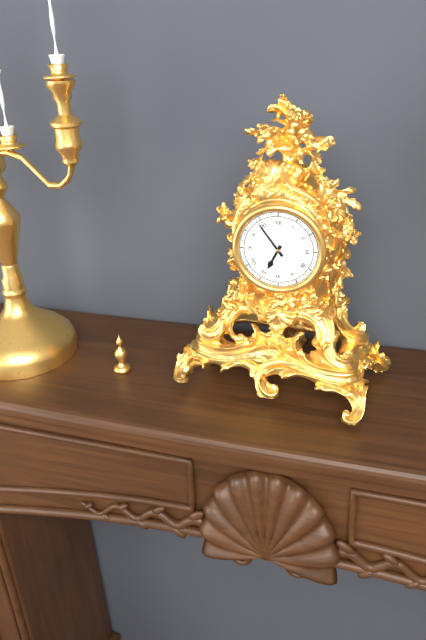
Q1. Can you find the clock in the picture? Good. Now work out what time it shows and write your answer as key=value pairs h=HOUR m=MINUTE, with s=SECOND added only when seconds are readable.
h=6 m=54
